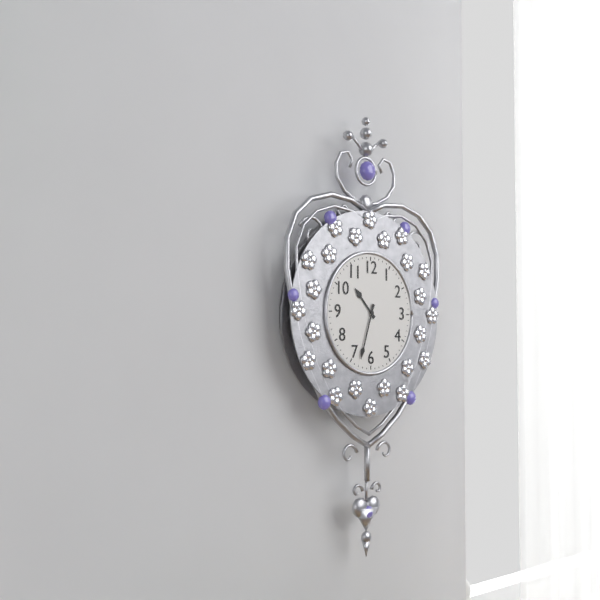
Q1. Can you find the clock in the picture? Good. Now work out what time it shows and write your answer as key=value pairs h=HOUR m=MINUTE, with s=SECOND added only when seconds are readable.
h=10 m=33
